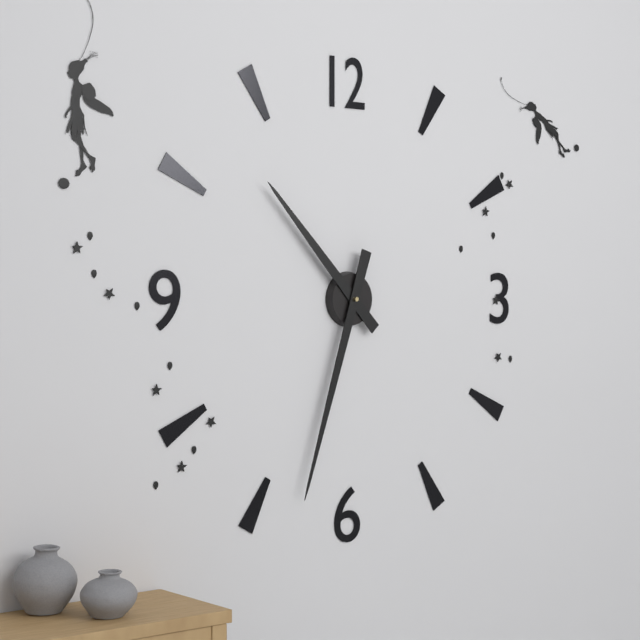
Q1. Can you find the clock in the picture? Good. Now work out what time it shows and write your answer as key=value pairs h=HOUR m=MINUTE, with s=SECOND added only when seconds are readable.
h=10 m=33
